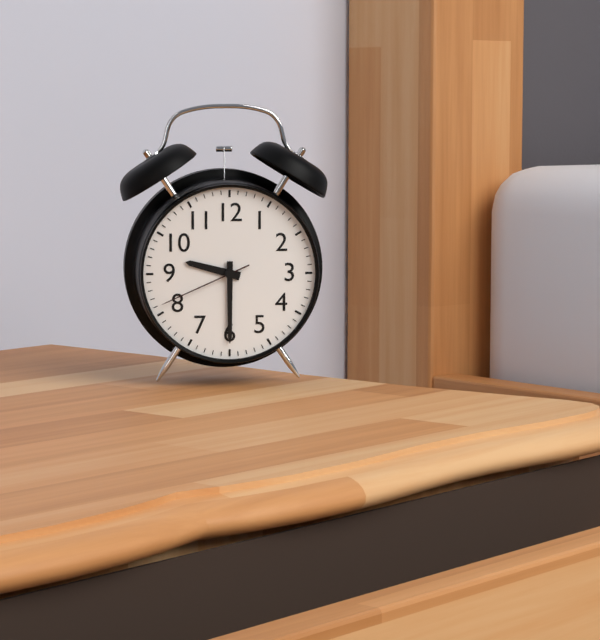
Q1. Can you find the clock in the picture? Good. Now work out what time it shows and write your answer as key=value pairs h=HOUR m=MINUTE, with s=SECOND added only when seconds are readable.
h=9 m=30 s=41
